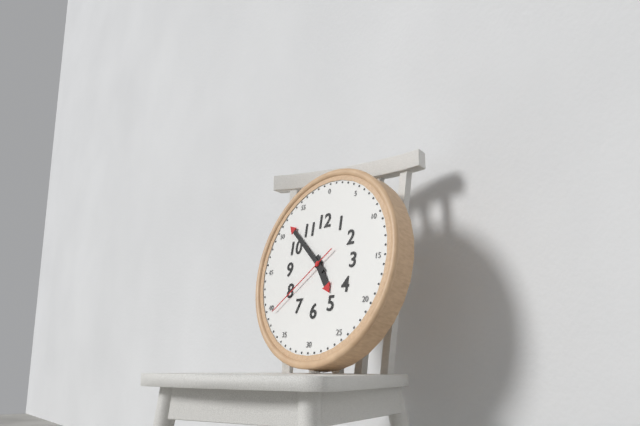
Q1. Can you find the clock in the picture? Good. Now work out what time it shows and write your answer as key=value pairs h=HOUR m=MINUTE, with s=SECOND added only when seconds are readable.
h=4 m=52 s=39
